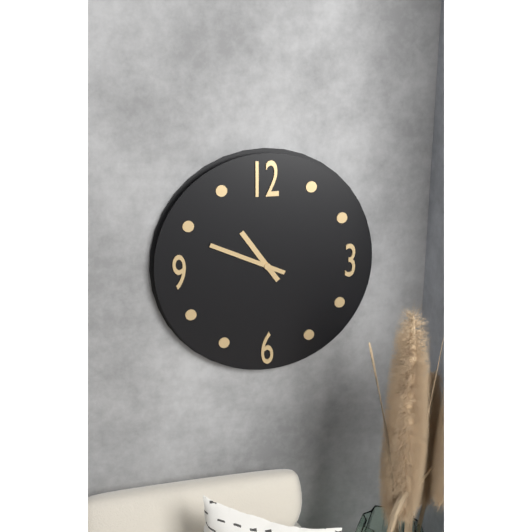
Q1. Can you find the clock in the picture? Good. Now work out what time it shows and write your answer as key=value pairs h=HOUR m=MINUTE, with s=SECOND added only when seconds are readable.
h=10 m=49
